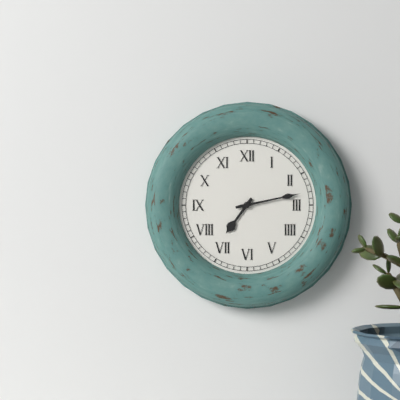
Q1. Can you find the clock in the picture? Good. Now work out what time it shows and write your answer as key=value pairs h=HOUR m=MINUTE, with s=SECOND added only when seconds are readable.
h=7 m=13
